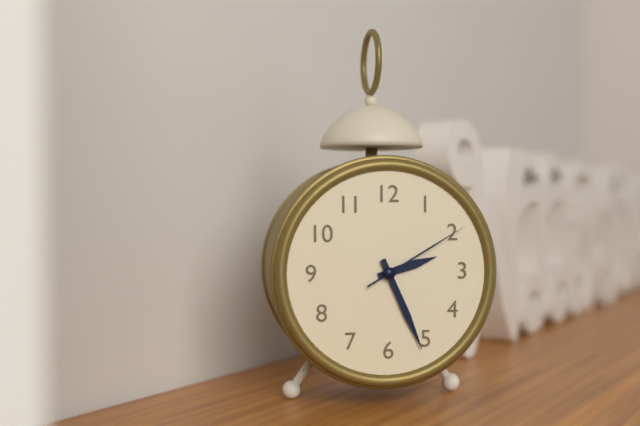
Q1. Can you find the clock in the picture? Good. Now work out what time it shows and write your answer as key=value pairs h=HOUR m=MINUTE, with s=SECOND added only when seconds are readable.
h=2 m=26 s=10
